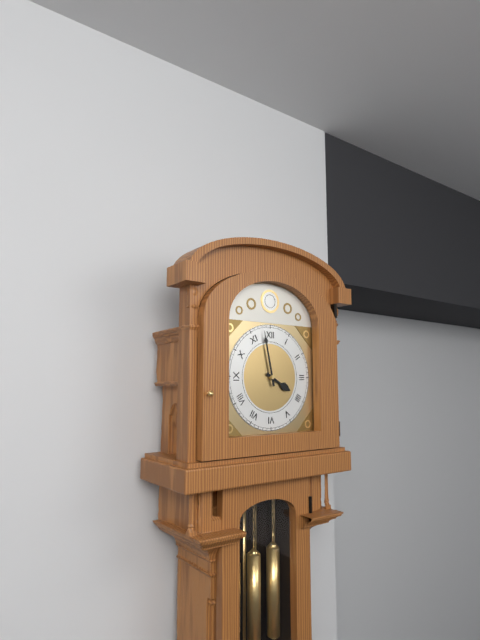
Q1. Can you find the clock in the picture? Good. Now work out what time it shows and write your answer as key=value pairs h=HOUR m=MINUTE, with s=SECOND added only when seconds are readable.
h=3 m=58
